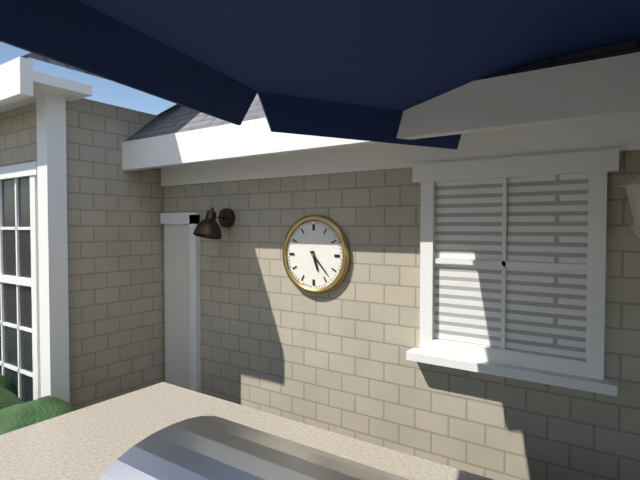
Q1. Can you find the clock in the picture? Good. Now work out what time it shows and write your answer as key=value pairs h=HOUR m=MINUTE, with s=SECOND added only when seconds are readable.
h=5 m=23
